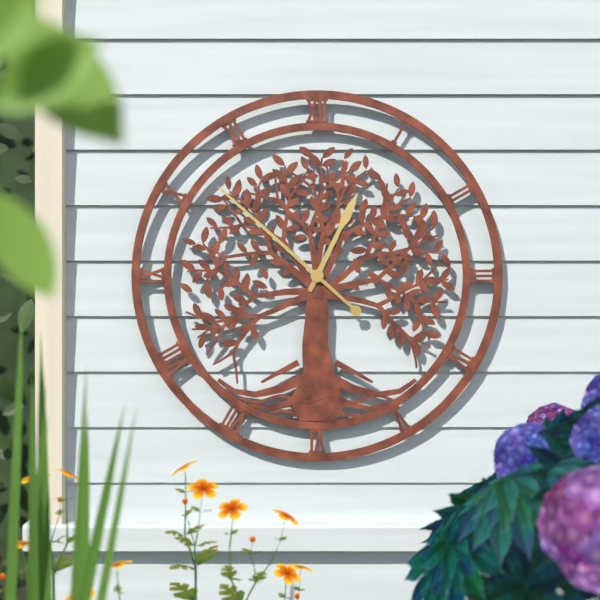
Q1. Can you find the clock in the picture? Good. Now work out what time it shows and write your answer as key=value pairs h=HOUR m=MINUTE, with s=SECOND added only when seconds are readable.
h=12 m=52
